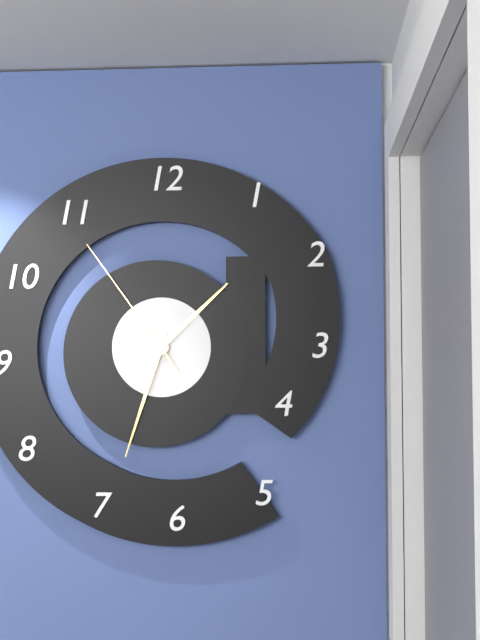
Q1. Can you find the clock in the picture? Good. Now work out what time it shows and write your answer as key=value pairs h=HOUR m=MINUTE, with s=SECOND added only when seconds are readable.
h=1 m=33 s=54
